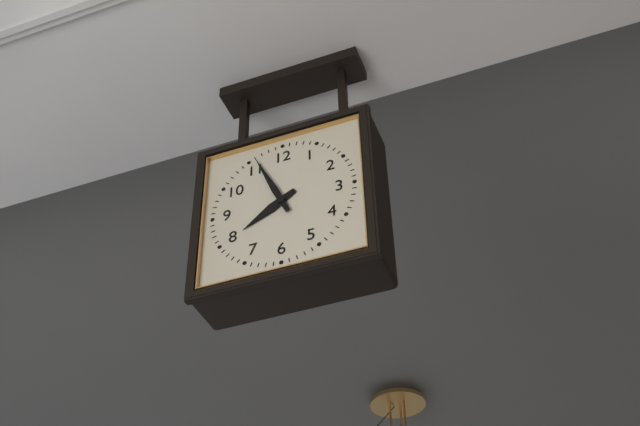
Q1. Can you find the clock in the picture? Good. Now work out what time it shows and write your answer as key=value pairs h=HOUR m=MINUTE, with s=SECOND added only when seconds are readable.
h=7 m=56
